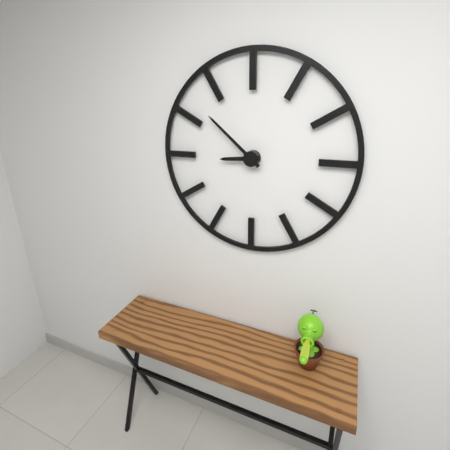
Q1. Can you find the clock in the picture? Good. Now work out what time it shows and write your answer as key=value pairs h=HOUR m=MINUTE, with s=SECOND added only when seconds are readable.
h=8 m=52
